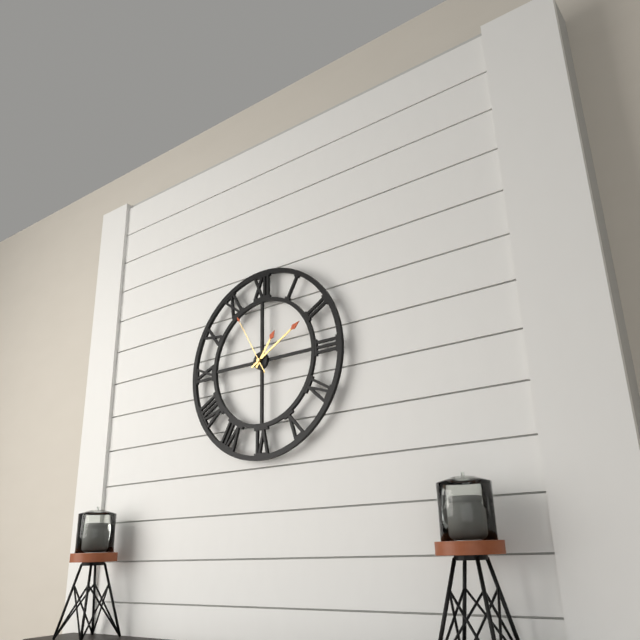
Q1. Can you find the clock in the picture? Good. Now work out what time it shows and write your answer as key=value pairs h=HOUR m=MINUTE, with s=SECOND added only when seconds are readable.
h=1 m=10 s=55
